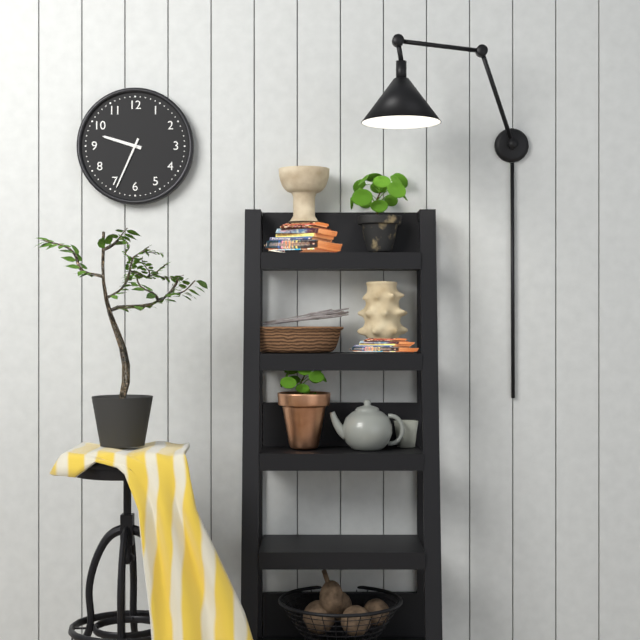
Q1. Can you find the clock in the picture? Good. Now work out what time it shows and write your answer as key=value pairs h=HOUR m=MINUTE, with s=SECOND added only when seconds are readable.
h=9 m=34
